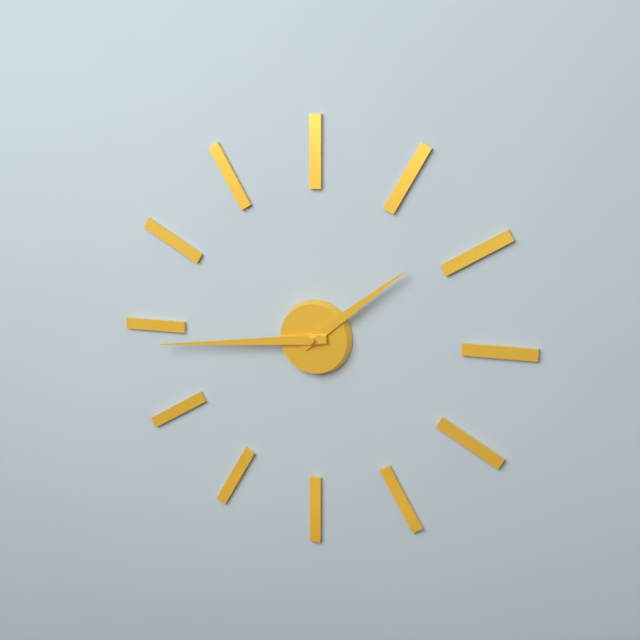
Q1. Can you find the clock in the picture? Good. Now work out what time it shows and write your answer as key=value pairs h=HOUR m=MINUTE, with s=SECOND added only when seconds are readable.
h=1 m=44
